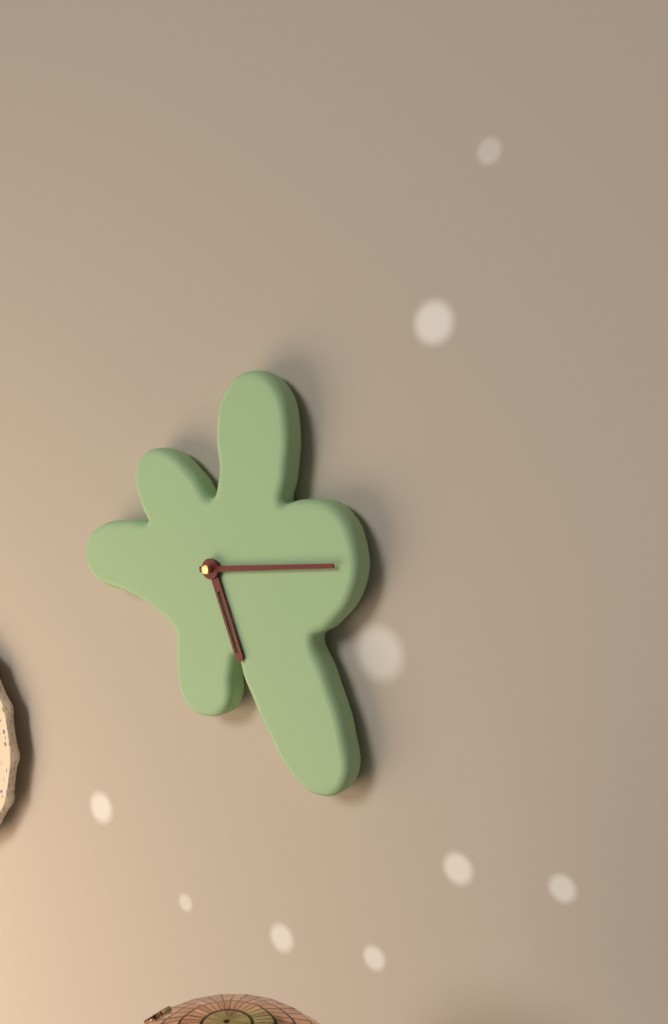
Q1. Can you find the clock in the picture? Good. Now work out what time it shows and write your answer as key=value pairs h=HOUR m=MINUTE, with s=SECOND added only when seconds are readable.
h=5 m=14
